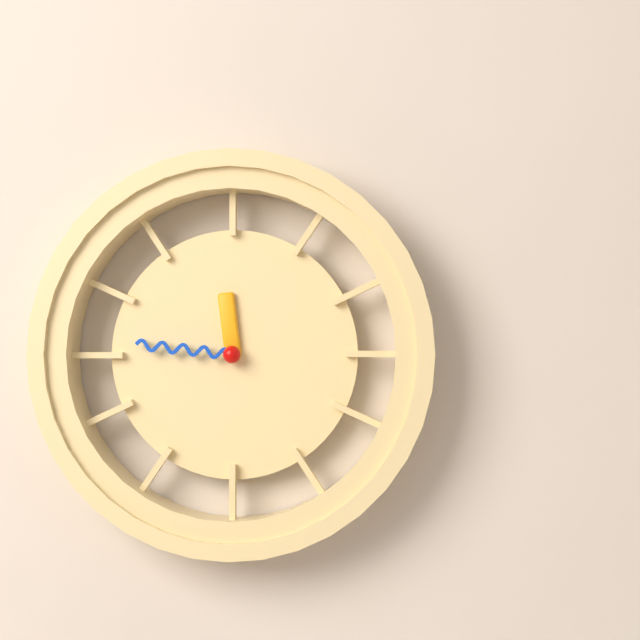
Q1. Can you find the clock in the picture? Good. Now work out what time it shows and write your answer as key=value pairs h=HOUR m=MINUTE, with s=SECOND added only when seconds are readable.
h=11 m=46
